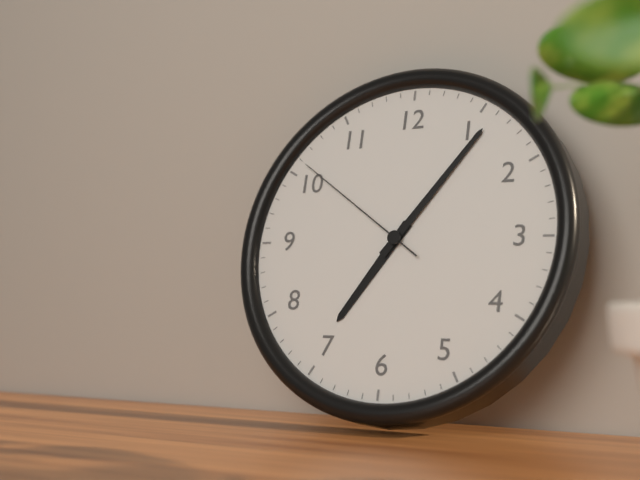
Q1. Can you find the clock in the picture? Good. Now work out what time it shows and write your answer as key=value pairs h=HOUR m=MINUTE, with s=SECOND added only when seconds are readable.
h=7 m=6 s=51
